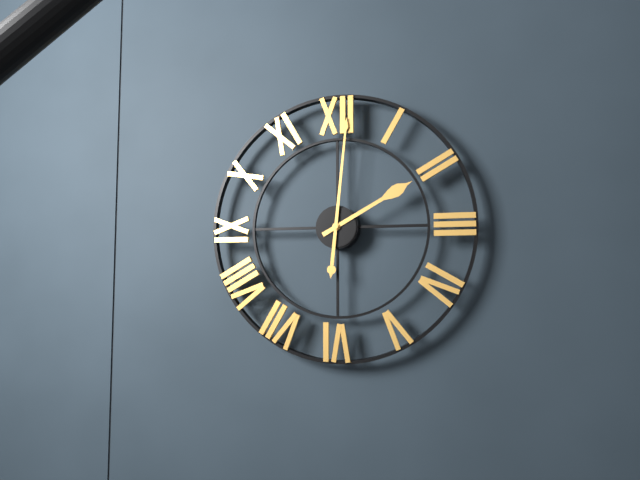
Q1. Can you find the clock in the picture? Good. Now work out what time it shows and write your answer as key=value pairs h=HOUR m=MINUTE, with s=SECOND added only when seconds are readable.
h=2 m=1
